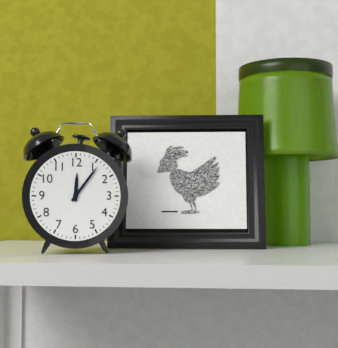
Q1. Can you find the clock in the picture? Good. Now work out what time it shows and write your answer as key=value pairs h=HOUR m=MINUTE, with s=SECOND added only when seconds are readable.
h=12 m=6
